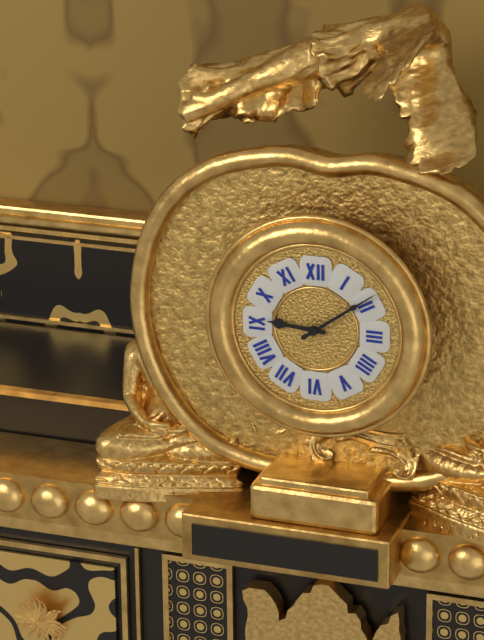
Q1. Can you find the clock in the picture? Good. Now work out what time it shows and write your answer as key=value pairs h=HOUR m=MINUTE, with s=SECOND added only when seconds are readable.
h=9 m=9
